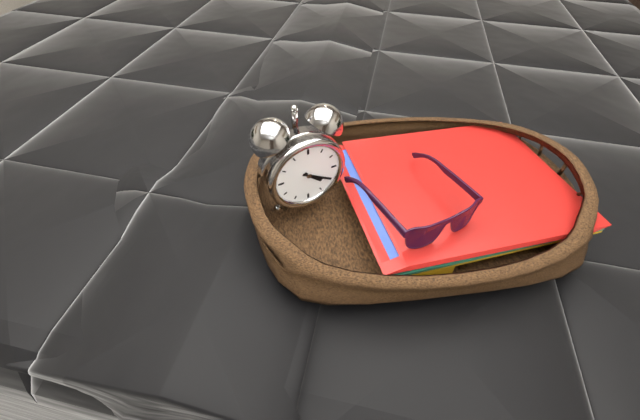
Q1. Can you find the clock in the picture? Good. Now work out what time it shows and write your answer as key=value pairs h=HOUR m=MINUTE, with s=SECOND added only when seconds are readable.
h=4 m=20
